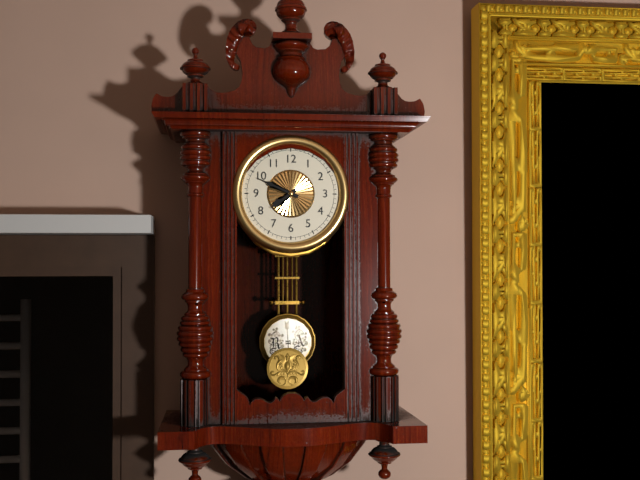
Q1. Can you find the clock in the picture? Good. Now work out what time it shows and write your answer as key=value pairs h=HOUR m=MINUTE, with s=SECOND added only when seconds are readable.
h=7 m=49
